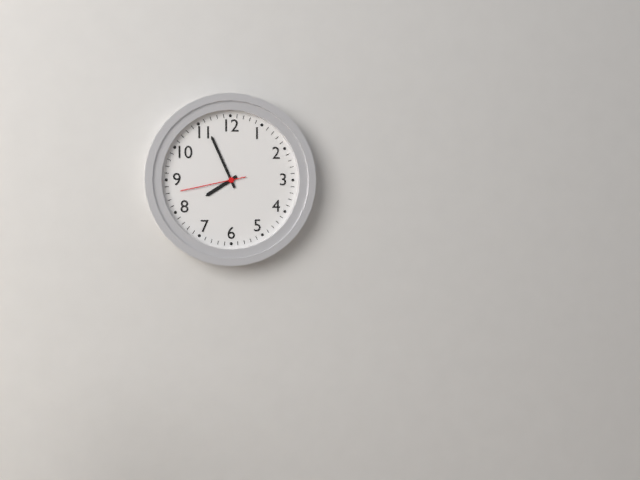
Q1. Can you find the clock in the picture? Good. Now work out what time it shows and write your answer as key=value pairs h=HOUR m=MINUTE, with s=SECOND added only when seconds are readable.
h=7 m=56 s=43
